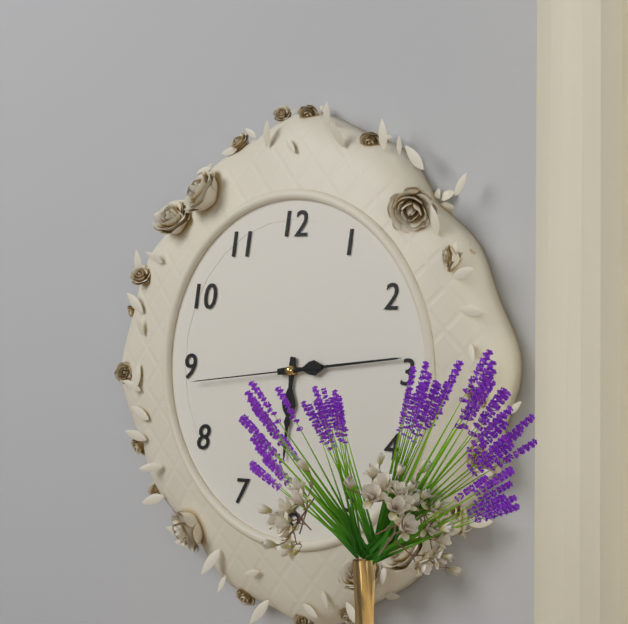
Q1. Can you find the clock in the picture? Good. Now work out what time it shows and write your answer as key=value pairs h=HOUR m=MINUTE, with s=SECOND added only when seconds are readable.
h=6 m=14 s=44
